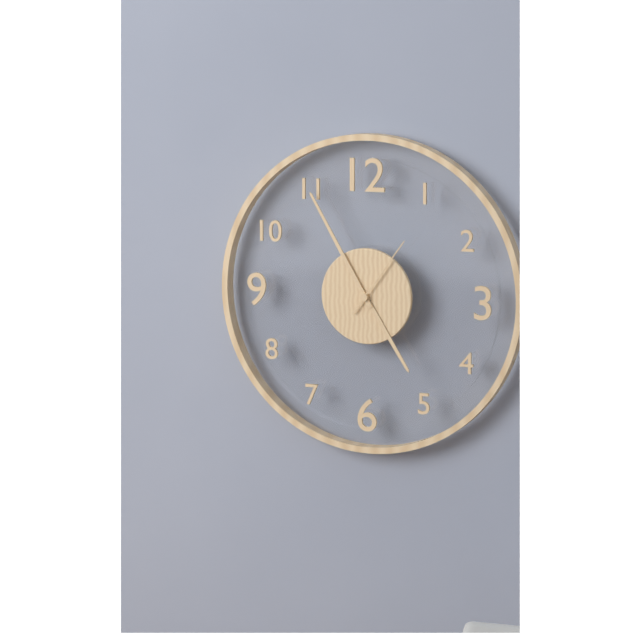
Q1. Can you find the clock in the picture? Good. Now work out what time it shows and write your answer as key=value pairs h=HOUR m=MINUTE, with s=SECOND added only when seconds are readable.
h=4 m=55 s=6
